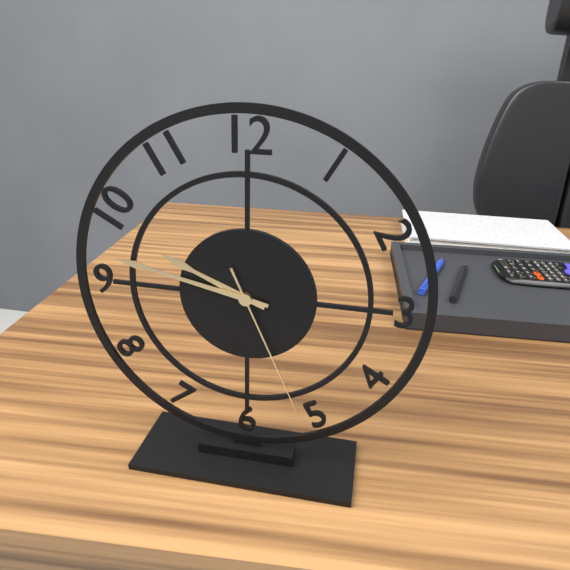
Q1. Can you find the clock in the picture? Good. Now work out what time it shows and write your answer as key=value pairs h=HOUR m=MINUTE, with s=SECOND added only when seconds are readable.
h=9 m=47 s=26
